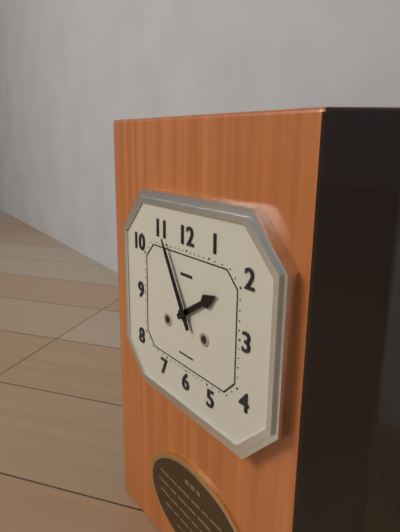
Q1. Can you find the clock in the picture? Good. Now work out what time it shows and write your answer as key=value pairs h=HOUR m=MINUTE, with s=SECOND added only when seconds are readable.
h=1 m=55
